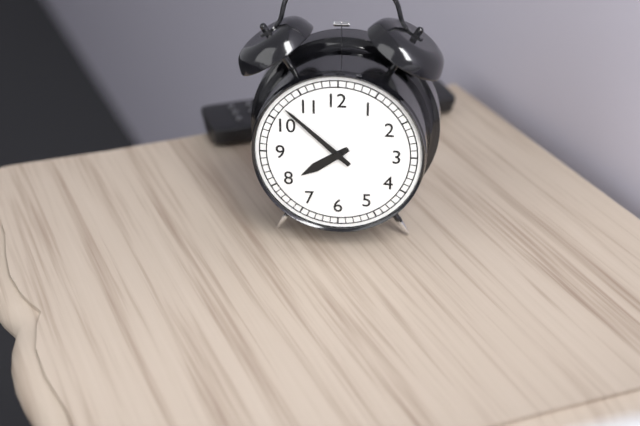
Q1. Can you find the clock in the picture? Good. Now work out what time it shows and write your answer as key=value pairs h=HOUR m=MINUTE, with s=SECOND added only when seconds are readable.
h=7 m=52
